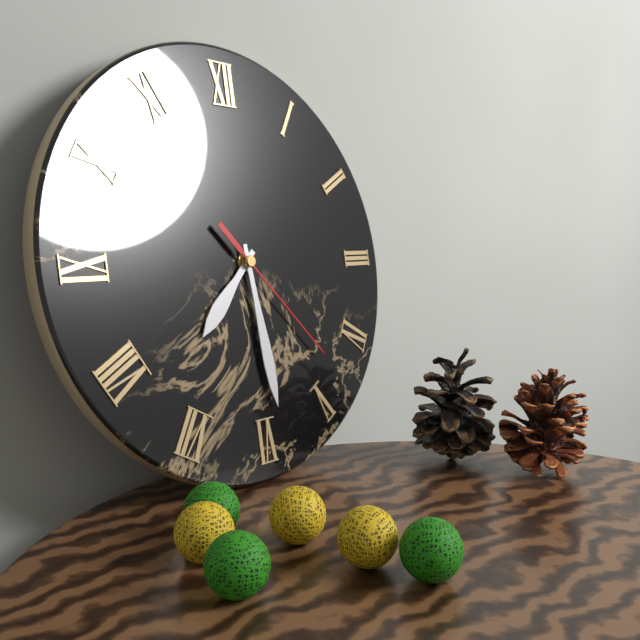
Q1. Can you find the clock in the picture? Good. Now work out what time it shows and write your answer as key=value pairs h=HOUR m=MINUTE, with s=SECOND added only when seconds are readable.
h=7 m=29 s=23
